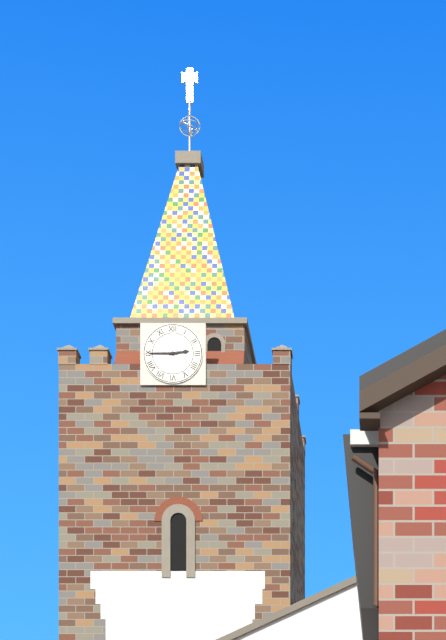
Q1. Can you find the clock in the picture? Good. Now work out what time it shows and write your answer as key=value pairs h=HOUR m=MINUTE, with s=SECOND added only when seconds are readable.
h=2 m=45
